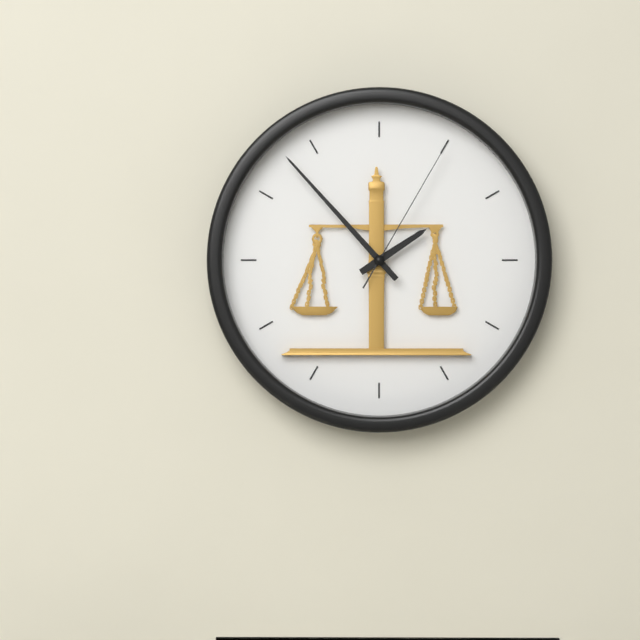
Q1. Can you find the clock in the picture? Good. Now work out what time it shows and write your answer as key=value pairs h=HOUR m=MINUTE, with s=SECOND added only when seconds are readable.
h=1 m=53 s=5
